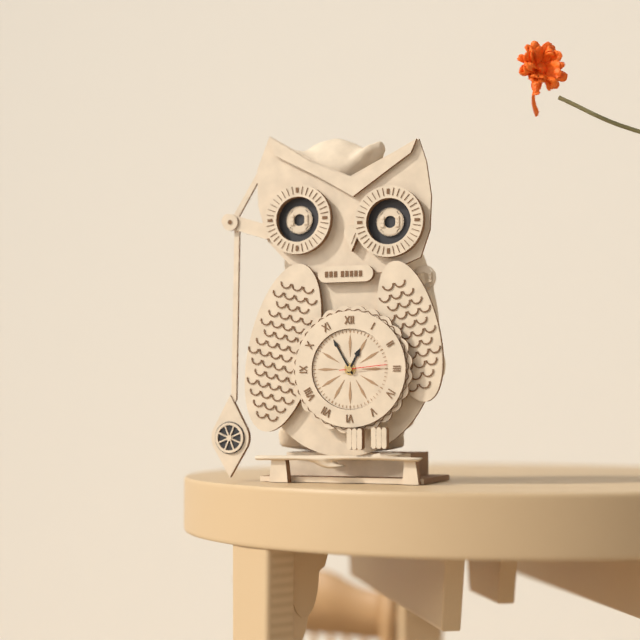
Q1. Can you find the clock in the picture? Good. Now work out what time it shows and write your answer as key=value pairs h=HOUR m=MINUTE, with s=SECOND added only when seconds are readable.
h=12 m=55
